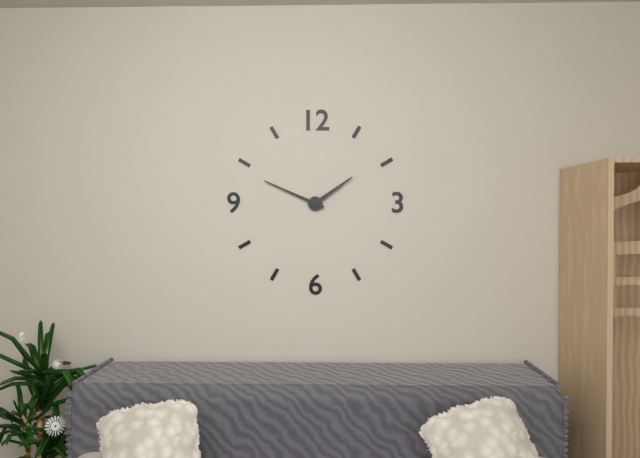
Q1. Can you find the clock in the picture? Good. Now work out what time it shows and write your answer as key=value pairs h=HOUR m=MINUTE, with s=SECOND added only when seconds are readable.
h=1 m=49
